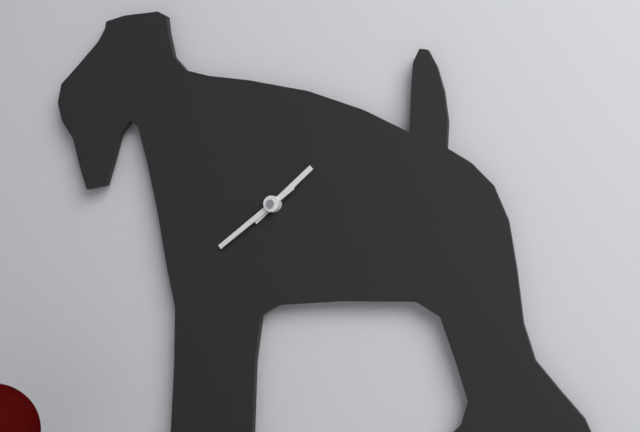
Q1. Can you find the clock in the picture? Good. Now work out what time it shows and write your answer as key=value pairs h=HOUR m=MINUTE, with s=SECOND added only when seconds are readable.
h=1 m=39
